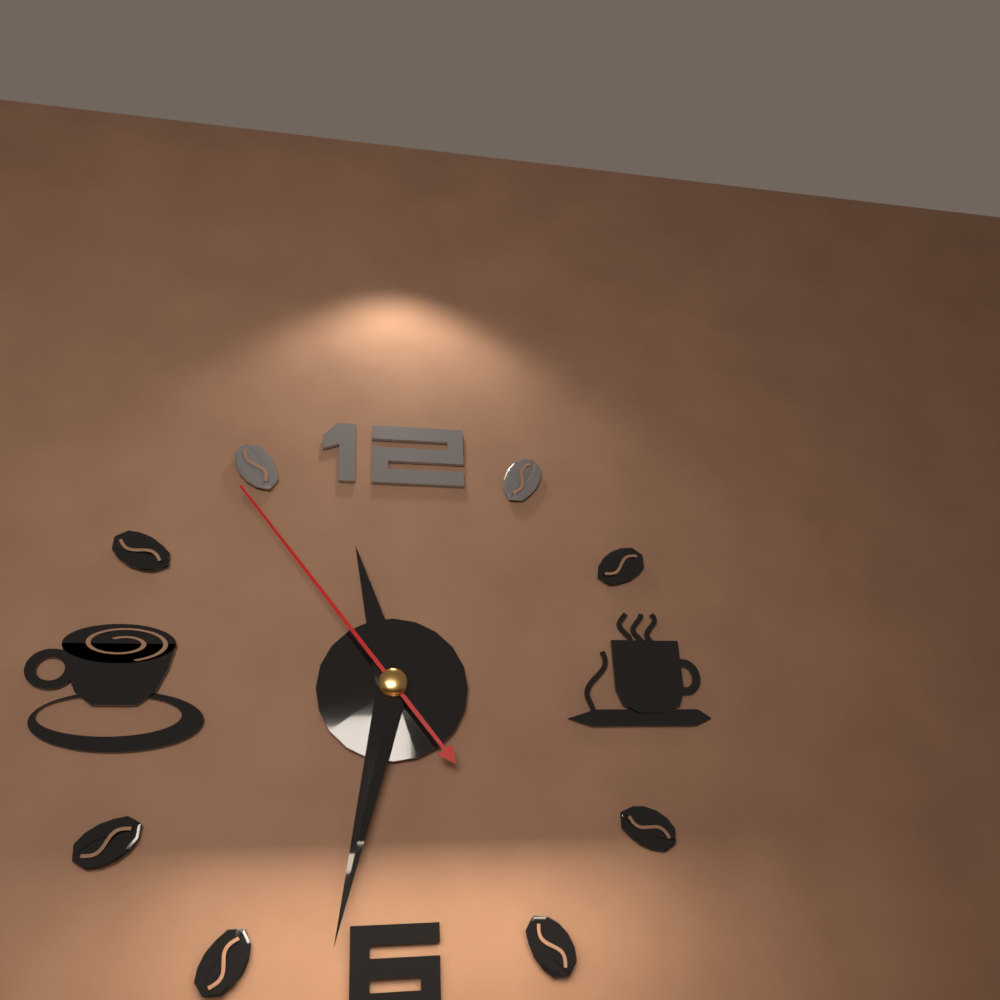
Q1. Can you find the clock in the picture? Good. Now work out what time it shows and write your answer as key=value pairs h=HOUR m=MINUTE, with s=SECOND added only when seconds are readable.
h=11 m=32 s=54
